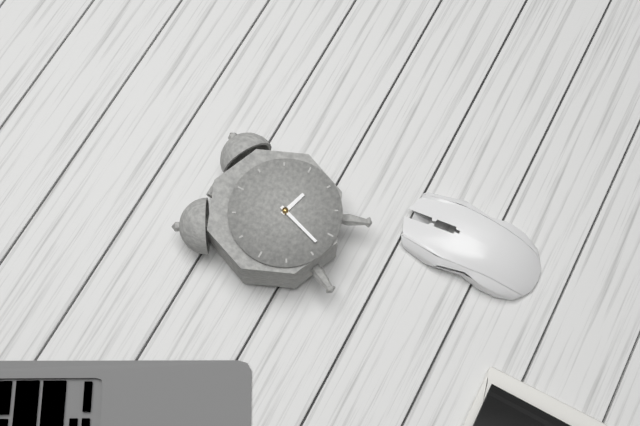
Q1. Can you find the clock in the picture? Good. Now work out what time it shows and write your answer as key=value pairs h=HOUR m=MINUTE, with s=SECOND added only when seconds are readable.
h=3 m=33
